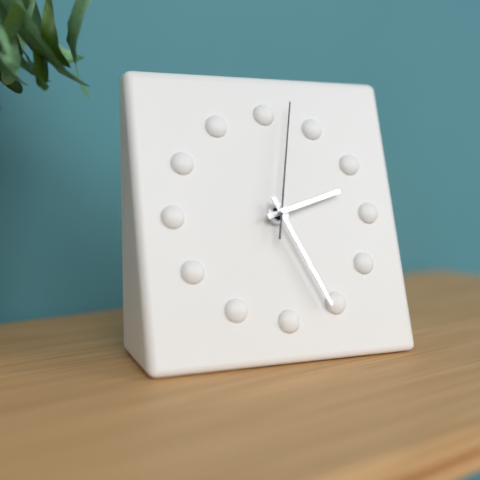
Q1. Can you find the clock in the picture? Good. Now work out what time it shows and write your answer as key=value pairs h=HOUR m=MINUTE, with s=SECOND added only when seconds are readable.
h=2 m=26 s=2
